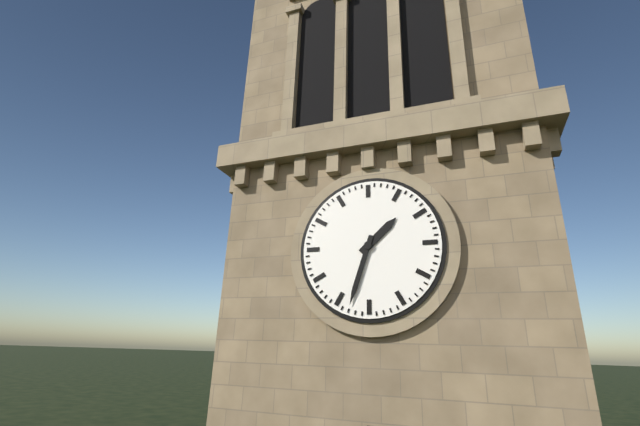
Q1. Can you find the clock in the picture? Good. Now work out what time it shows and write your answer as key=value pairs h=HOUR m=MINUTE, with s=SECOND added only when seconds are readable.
h=1 m=33
